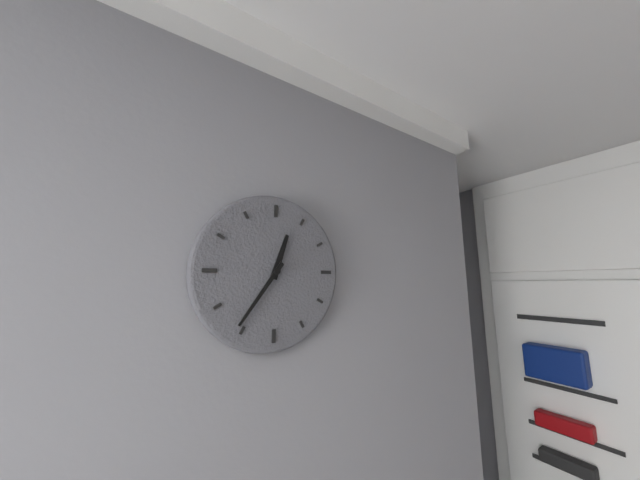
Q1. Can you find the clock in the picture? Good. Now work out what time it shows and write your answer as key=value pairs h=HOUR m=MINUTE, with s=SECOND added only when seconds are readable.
h=12 m=36
